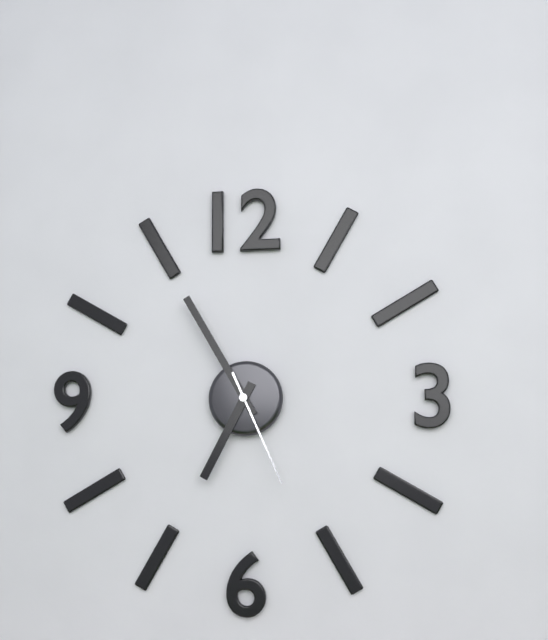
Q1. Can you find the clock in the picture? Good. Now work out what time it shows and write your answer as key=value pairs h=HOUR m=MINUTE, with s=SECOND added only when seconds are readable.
h=6 m=55 s=26
